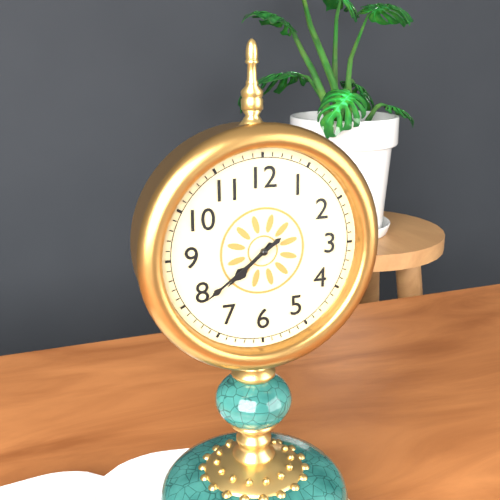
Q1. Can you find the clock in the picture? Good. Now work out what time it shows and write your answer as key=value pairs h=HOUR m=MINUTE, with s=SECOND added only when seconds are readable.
h=7 m=39
